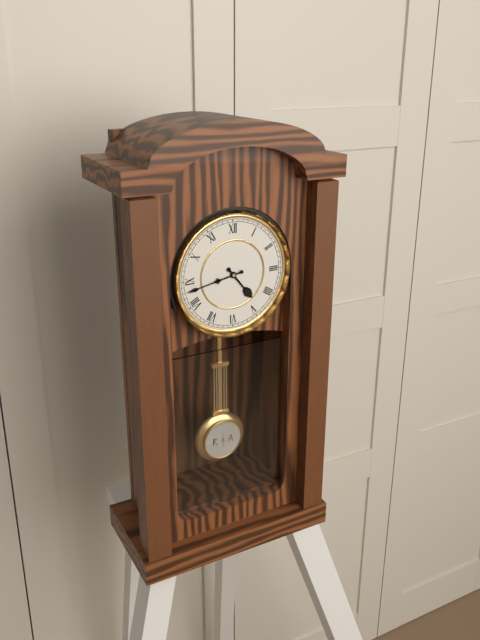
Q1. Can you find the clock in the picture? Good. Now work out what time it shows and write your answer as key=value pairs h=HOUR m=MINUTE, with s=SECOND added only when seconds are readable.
h=4 m=43
